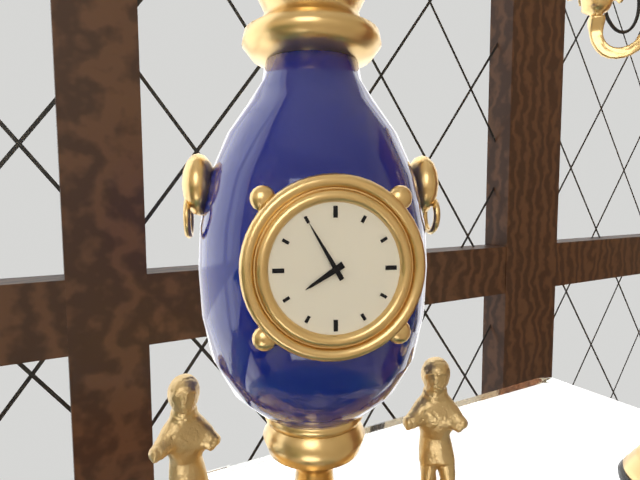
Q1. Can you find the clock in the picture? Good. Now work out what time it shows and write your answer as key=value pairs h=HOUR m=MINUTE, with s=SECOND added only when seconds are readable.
h=7 m=55
